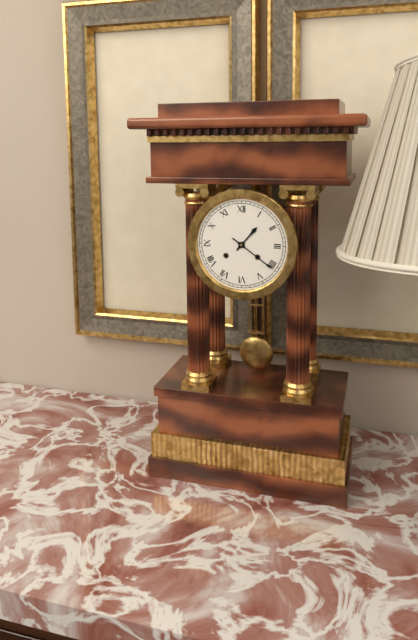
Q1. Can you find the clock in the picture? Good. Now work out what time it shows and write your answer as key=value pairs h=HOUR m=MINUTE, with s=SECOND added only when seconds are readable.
h=1 m=21
